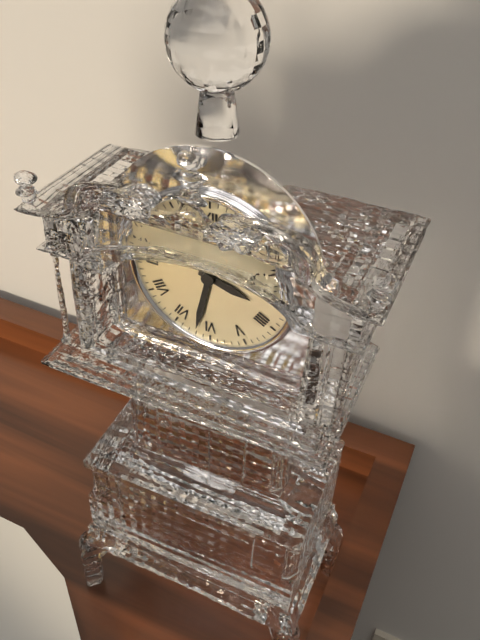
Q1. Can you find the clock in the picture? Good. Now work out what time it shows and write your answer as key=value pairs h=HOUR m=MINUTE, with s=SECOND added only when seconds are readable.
h=3 m=32
